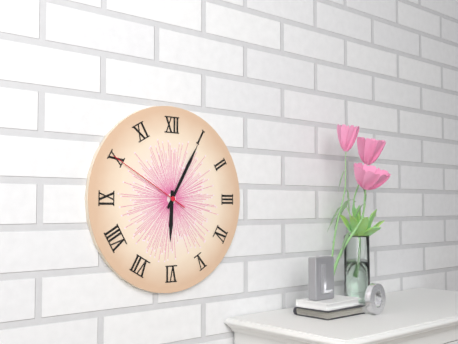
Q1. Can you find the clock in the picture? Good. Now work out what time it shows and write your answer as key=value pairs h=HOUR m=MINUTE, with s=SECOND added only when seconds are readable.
h=6 m=5 s=50
